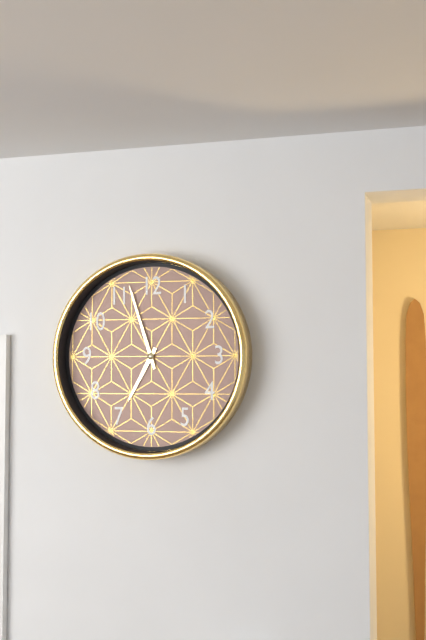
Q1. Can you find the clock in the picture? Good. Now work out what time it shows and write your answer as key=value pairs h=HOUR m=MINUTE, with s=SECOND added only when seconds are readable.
h=6 m=57
